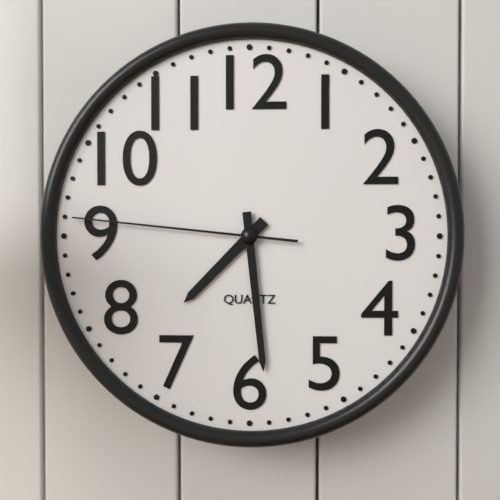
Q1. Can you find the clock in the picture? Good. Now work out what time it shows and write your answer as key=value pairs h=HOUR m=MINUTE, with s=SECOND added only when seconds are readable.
h=7 m=29 s=46
